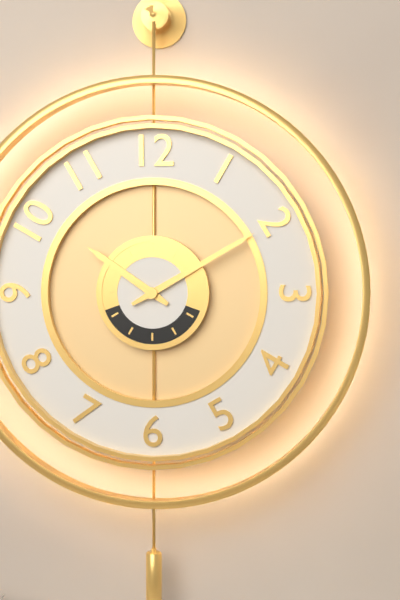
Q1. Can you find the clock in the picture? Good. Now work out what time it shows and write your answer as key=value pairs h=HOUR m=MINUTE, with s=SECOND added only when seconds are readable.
h=10 m=10
